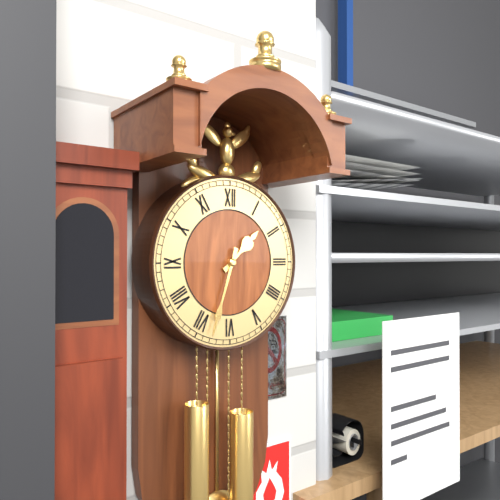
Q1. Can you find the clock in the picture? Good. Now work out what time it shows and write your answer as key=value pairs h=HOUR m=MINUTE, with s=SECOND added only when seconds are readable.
h=1 m=33
